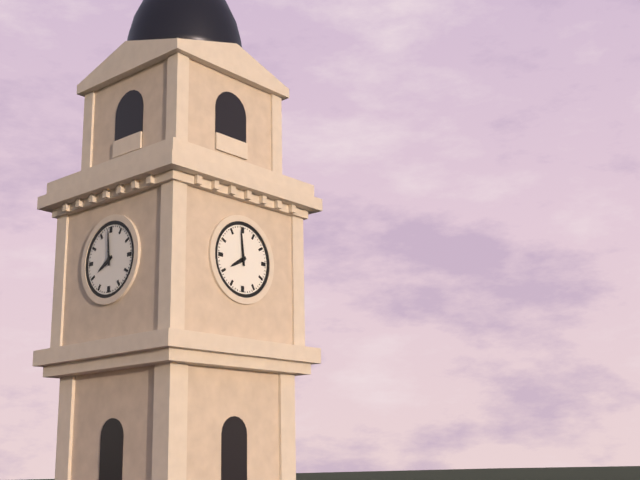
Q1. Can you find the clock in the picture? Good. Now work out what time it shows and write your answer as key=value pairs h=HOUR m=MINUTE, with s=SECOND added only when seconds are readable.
h=7 m=59
